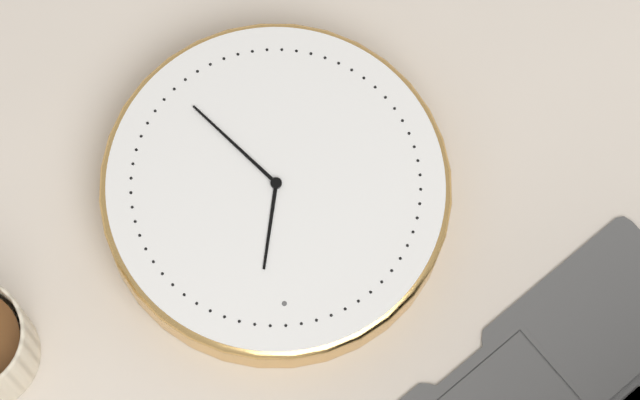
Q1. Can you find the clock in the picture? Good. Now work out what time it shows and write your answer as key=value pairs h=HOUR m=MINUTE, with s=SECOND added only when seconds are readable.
h=12 m=23
